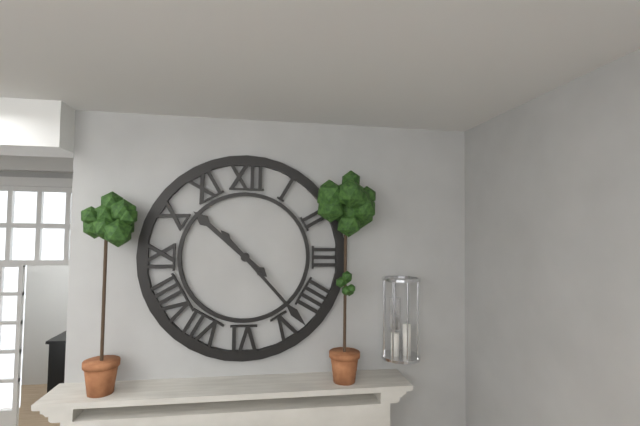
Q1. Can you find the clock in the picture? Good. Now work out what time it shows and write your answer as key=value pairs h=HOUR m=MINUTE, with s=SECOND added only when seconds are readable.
h=10 m=23
